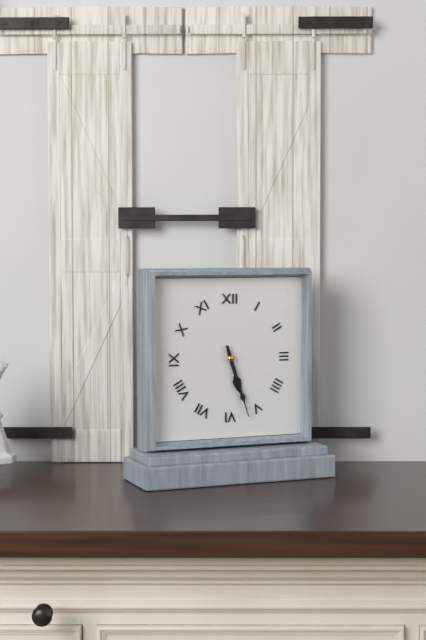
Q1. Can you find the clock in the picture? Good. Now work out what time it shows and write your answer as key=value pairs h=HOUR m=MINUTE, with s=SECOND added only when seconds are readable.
h=5 m=27
